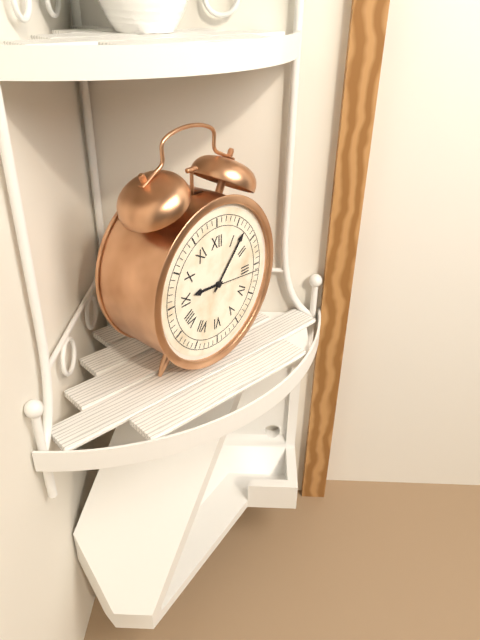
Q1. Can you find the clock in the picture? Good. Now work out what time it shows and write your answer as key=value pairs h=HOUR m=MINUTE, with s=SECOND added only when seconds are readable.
h=9 m=7 s=16
